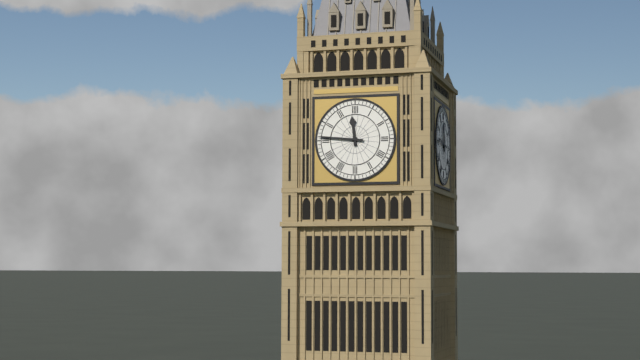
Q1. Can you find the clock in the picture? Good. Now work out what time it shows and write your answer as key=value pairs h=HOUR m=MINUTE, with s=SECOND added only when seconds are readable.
h=11 m=46
